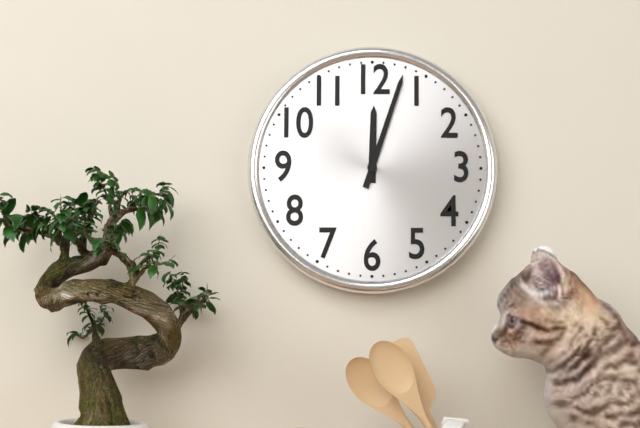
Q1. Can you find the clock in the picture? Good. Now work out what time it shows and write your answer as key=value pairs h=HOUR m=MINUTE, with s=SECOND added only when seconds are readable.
h=12 m=3
